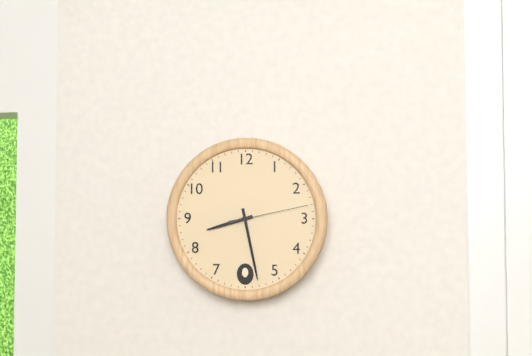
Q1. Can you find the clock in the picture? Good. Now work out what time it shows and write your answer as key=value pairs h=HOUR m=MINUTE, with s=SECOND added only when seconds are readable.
h=8 m=28 s=13
